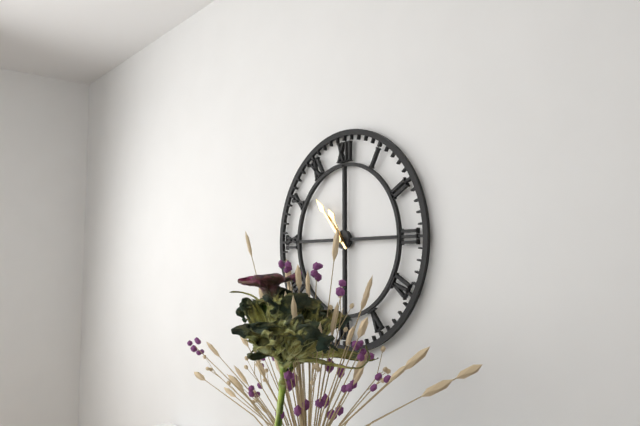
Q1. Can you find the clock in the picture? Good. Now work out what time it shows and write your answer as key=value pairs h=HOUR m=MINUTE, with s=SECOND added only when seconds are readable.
h=10 m=53
